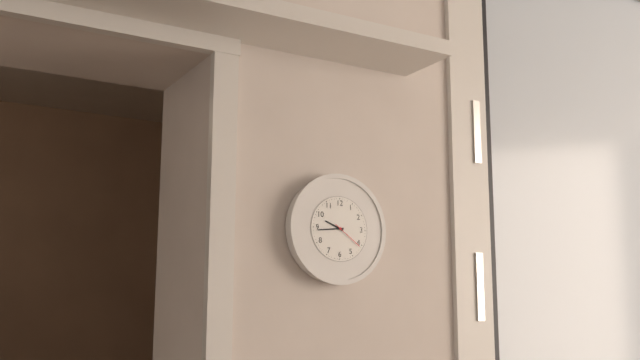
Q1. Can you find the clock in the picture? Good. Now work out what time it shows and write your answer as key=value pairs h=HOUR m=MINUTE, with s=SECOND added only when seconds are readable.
h=9 m=44
